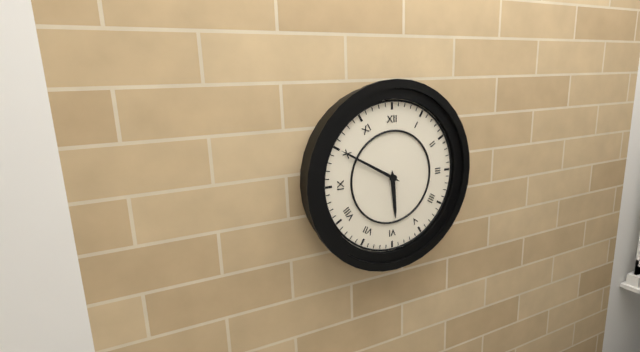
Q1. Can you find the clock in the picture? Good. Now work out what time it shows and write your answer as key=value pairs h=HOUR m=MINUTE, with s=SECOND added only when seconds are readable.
h=5 m=50
